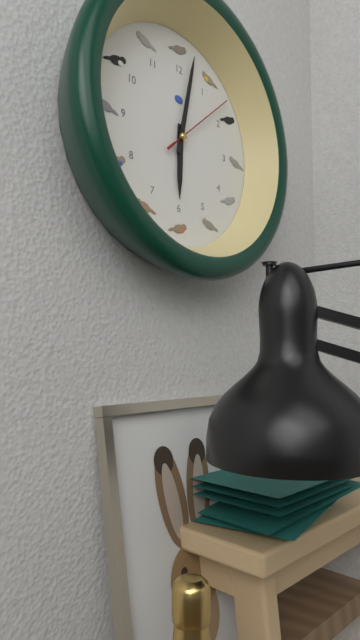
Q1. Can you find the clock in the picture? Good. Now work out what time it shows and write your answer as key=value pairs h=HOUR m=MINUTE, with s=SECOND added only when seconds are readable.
h=6 m=2 s=8
